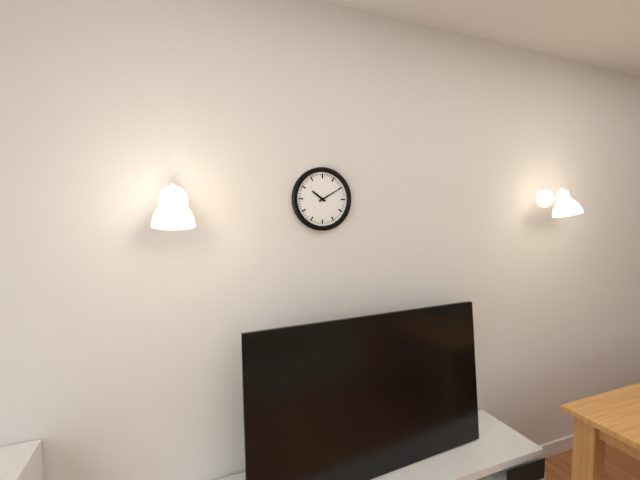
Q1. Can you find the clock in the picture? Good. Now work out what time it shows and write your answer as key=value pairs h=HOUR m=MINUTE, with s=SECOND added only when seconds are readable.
h=10 m=10
